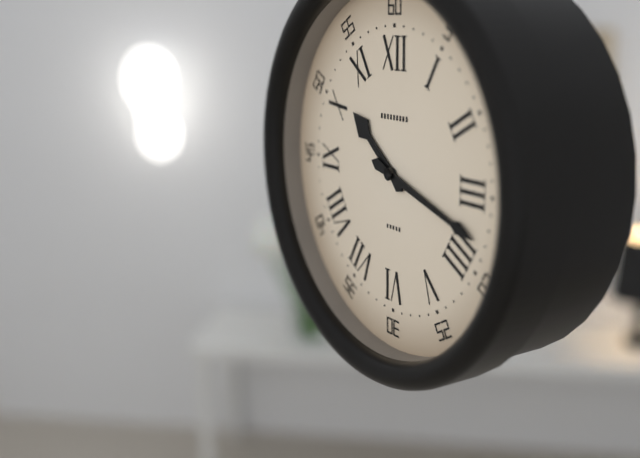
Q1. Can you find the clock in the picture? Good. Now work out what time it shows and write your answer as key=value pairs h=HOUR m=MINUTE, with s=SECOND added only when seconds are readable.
h=10 m=18
